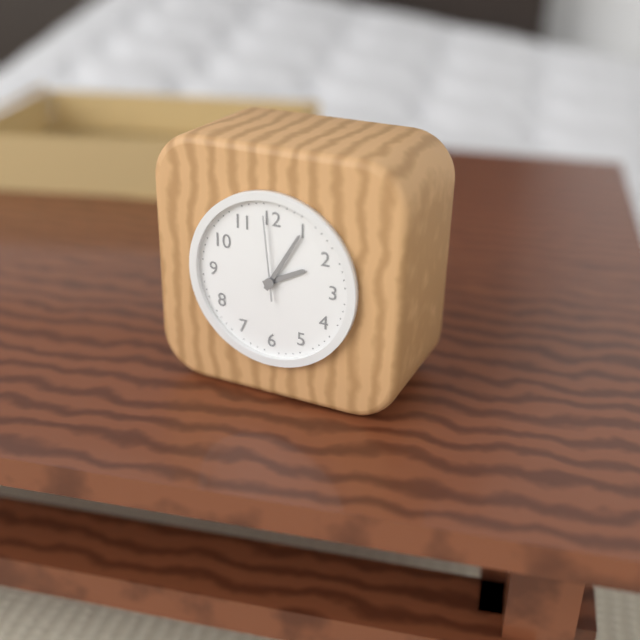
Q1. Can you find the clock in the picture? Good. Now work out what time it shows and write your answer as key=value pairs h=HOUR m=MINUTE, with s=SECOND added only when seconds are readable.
h=2 m=5 s=59
